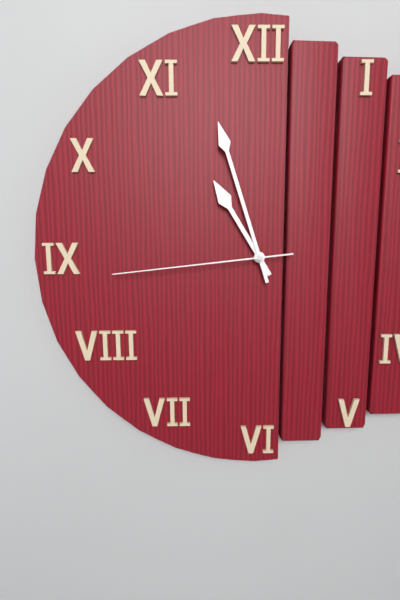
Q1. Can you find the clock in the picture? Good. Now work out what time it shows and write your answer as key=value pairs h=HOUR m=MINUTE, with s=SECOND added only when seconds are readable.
h=10 m=57 s=44
